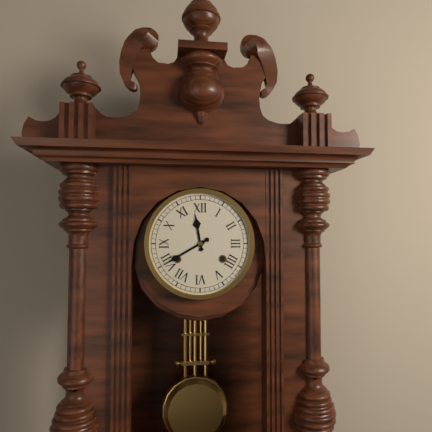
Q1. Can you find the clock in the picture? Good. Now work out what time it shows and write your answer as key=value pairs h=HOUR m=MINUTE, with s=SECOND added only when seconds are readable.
h=11 m=40
